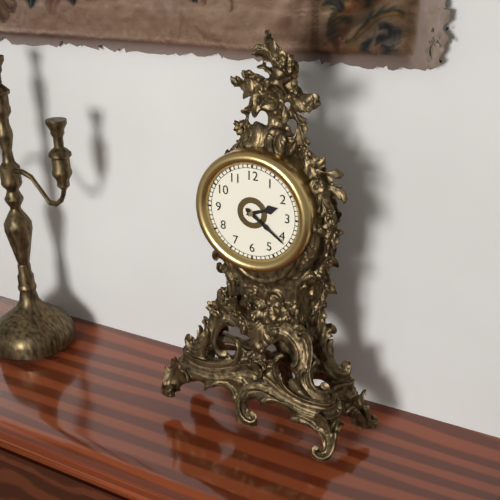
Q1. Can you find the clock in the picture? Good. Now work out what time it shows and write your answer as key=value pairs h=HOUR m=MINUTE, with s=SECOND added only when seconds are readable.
h=2 m=21
